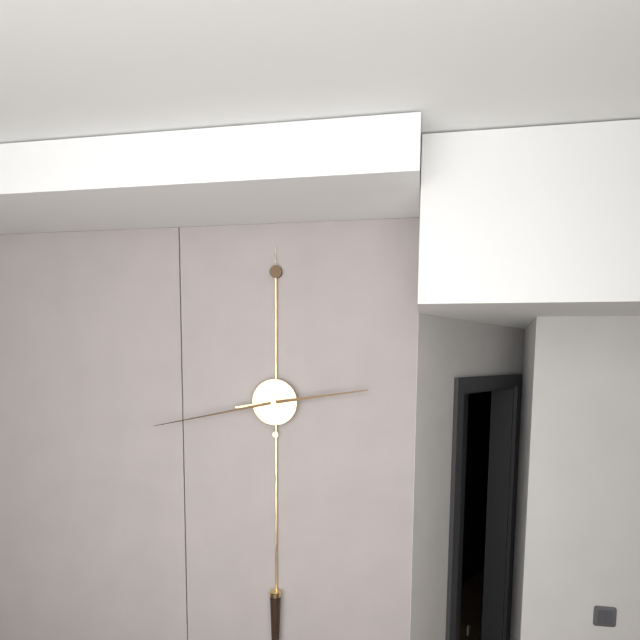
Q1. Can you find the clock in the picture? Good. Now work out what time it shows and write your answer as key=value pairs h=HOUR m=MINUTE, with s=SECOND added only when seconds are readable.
h=2 m=43
